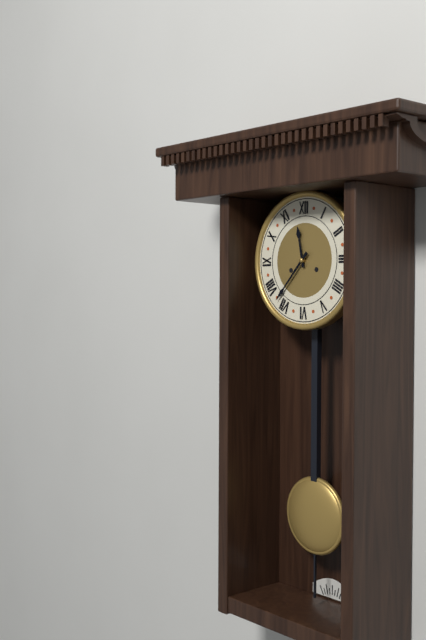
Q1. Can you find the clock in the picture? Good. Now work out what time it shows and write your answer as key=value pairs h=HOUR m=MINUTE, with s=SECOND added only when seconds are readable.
h=11 m=37
